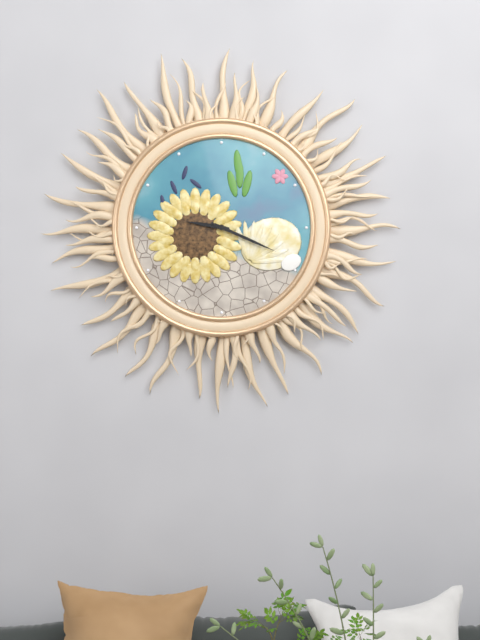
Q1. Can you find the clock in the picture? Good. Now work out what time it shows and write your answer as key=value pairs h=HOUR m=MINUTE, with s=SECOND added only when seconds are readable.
h=9 m=19
